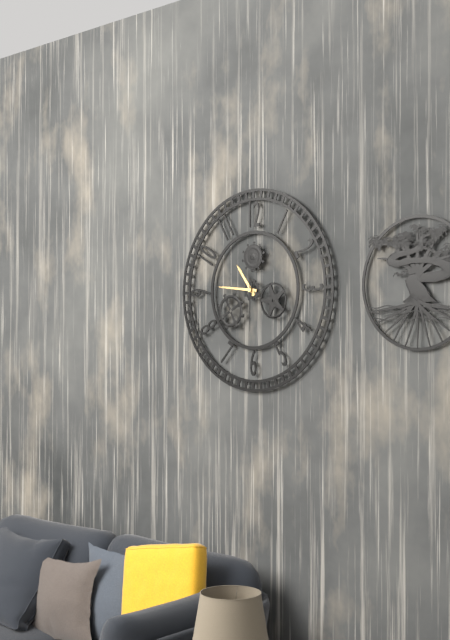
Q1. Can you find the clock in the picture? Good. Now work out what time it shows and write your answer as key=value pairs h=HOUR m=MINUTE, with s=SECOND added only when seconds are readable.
h=10 m=46 s=30
